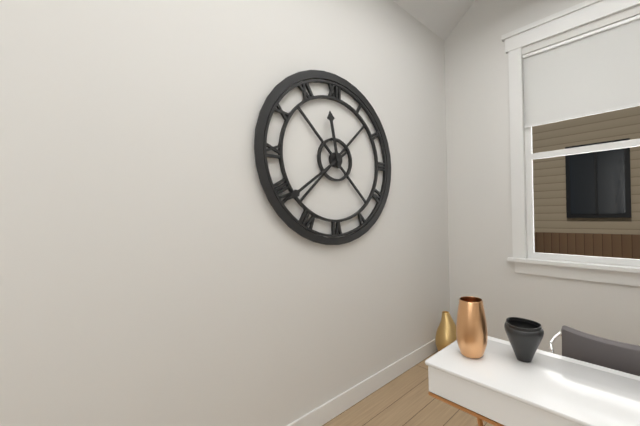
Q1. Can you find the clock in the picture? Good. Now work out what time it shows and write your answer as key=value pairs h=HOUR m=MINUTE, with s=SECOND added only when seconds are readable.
h=11 m=39
